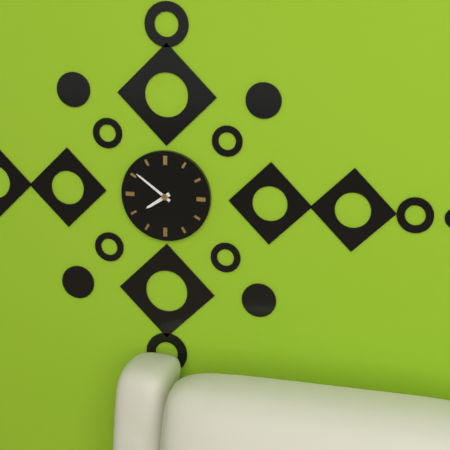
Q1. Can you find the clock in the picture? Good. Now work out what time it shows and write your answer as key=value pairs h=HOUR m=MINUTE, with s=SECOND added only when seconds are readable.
h=7 m=51
